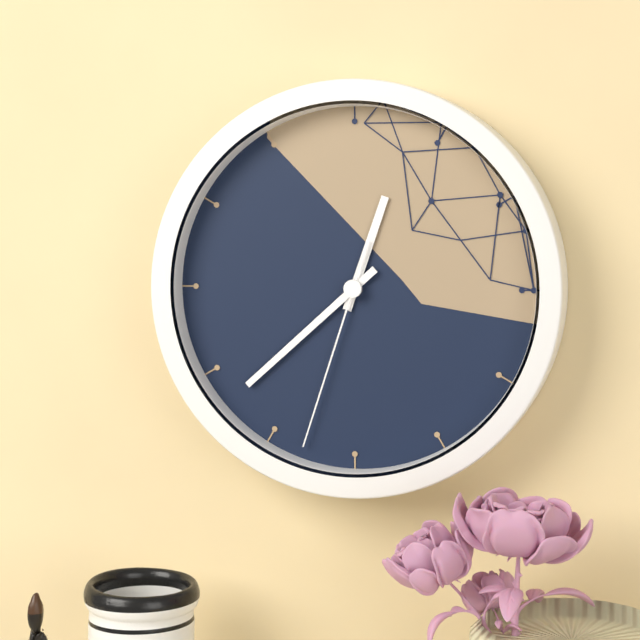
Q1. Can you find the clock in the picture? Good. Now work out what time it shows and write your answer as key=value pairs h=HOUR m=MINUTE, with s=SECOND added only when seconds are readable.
h=12 m=38 s=33
